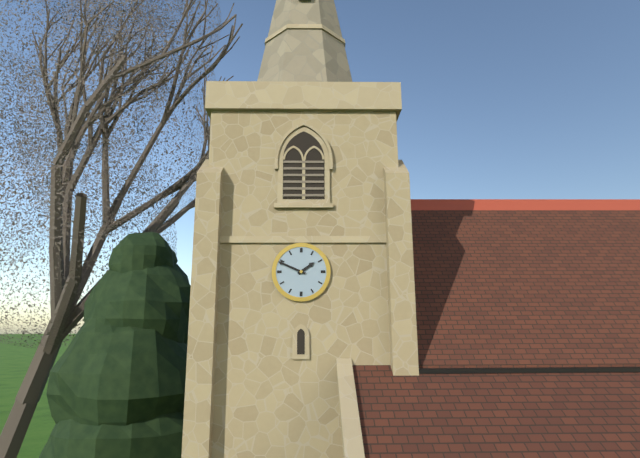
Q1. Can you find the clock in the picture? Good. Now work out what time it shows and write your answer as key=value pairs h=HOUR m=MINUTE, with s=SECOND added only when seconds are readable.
h=1 m=49
